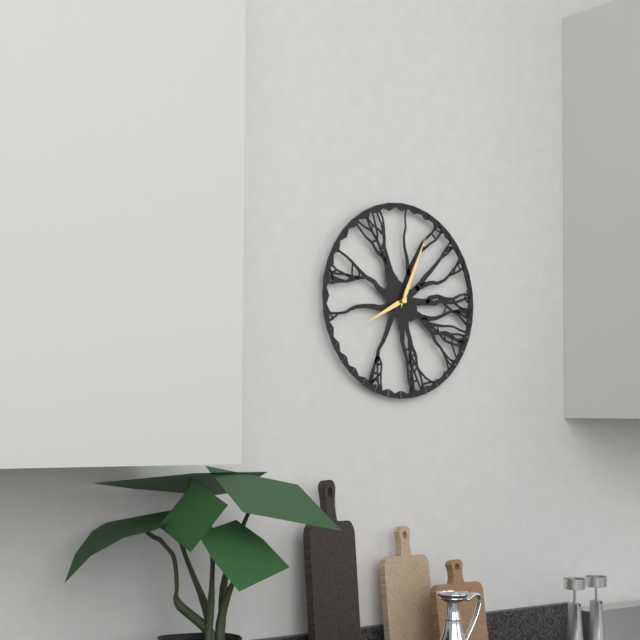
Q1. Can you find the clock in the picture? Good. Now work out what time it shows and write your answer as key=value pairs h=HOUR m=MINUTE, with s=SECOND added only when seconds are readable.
h=8 m=4
